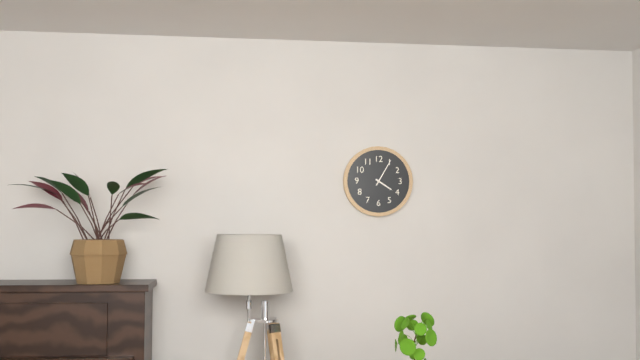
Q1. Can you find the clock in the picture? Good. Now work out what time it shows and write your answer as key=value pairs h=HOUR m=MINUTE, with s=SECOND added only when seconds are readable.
h=4 m=5
